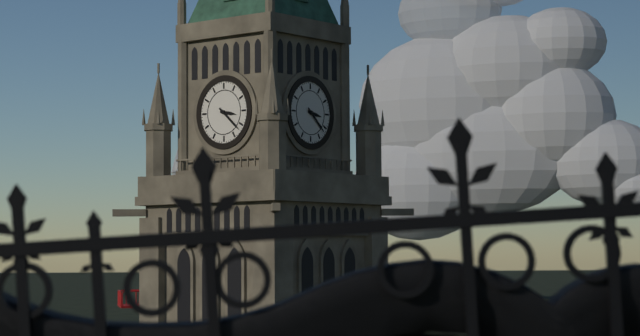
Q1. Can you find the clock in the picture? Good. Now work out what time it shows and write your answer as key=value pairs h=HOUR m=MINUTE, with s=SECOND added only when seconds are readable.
h=3 m=22
